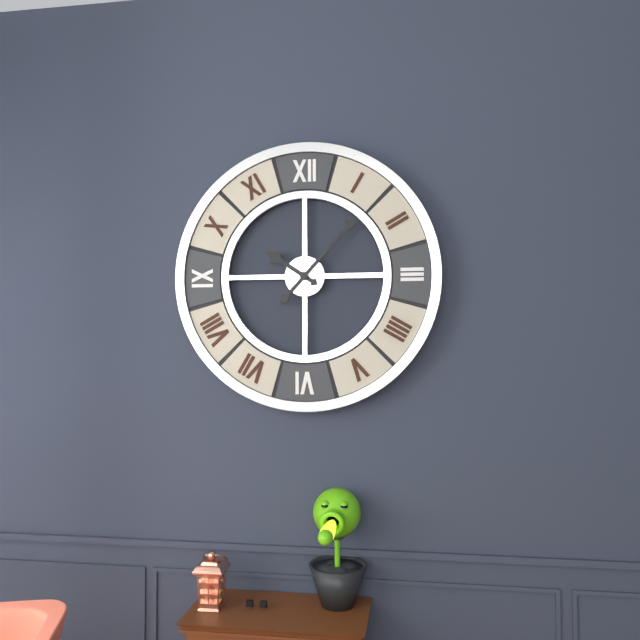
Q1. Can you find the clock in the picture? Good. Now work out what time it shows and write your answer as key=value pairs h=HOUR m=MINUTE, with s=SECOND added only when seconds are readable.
h=10 m=7
